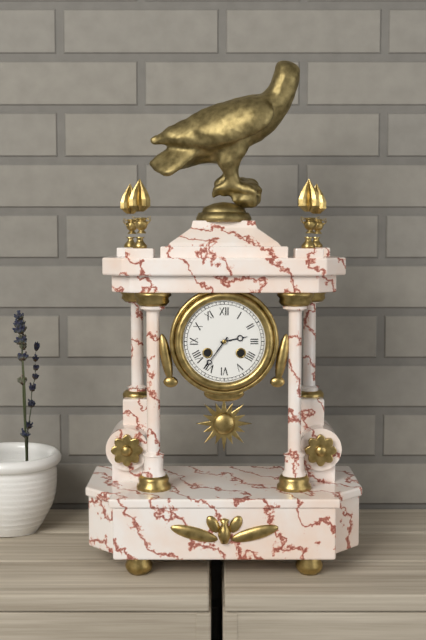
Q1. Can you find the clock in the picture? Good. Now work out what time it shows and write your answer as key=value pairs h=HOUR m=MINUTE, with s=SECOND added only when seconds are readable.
h=2 m=36
